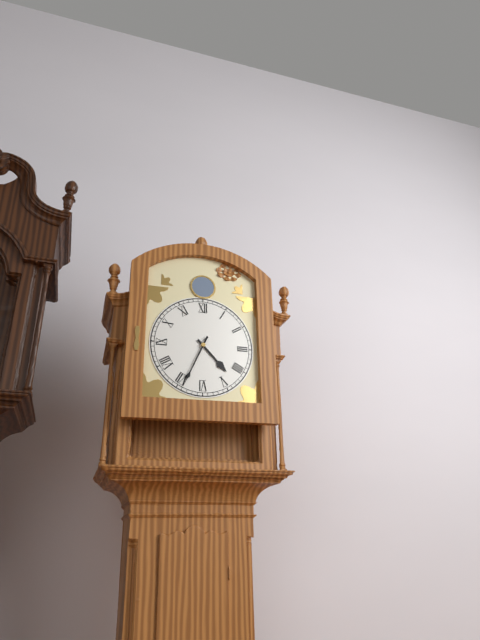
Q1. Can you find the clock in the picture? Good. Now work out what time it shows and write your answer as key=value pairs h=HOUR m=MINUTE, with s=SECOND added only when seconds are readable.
h=4 m=34
